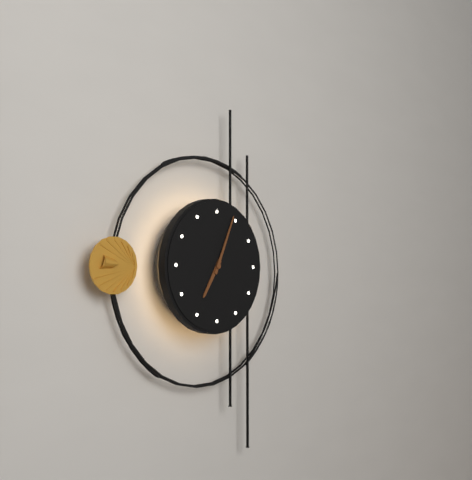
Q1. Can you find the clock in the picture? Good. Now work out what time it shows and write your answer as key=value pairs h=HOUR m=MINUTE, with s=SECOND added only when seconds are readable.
h=7 m=4
